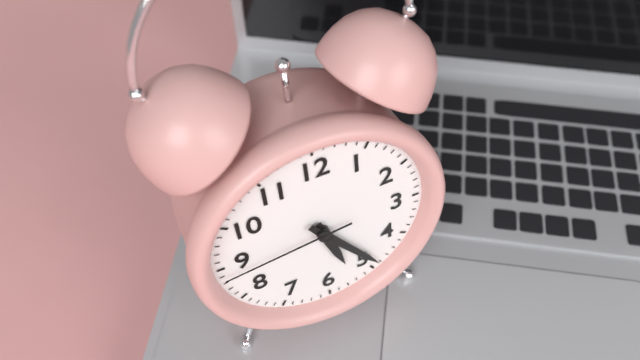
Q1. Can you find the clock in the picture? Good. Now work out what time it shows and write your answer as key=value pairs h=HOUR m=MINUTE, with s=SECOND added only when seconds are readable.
h=5 m=24 s=44
